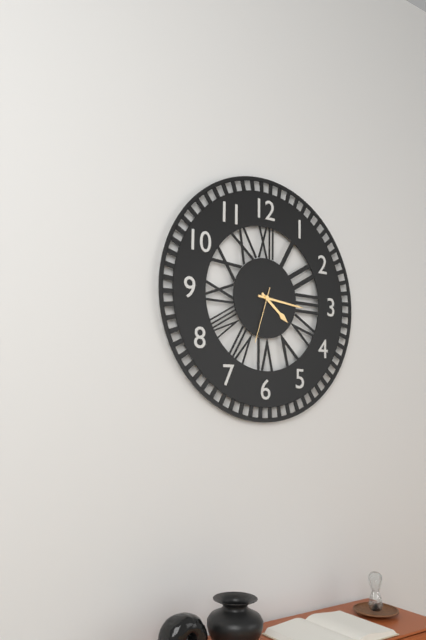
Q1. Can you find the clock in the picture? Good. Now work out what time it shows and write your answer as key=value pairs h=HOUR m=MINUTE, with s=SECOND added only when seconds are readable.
h=4 m=16 s=33
